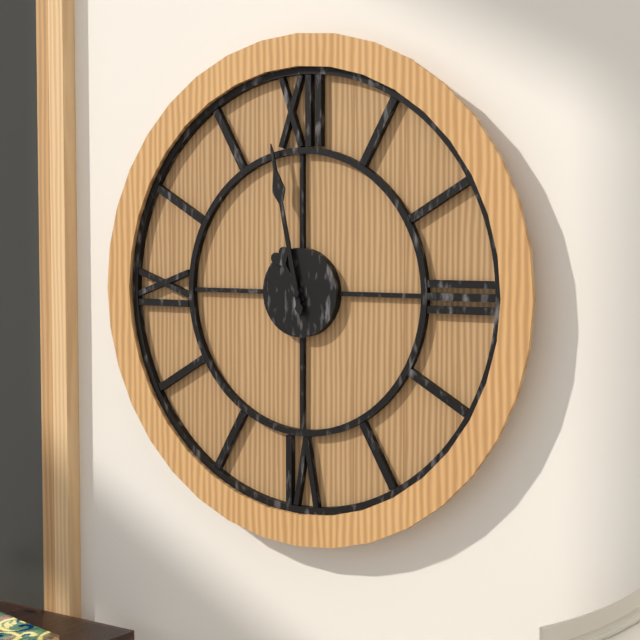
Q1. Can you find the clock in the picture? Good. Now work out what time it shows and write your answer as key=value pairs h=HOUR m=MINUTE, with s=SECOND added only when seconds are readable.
h=10 m=58
